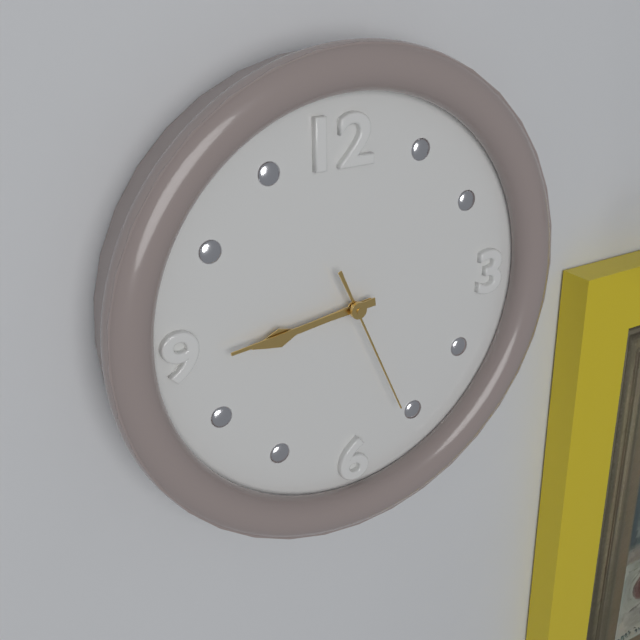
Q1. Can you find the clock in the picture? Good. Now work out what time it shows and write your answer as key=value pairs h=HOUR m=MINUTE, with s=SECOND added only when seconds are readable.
h=8 m=44 s=26
